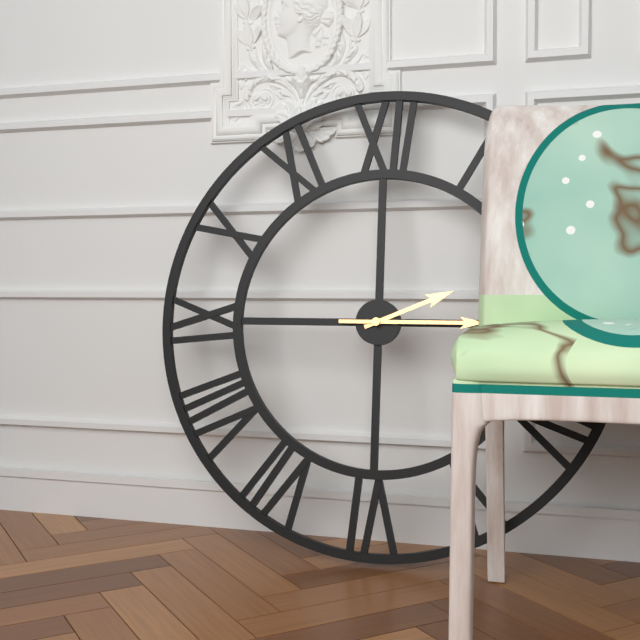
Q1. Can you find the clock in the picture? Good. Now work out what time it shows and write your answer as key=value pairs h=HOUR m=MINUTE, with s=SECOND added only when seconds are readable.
h=2 m=15
